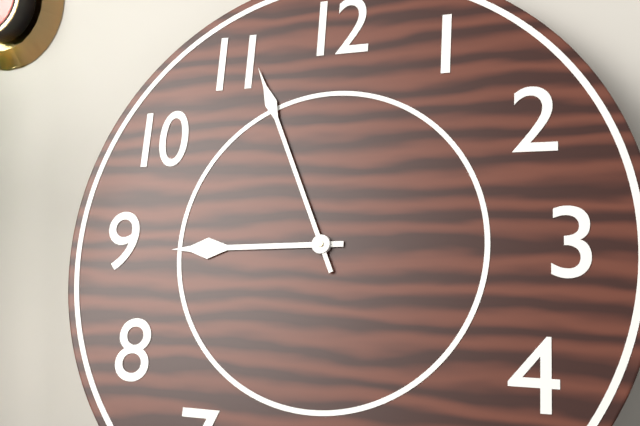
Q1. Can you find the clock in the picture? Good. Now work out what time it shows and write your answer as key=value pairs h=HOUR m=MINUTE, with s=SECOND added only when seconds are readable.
h=8 m=56
